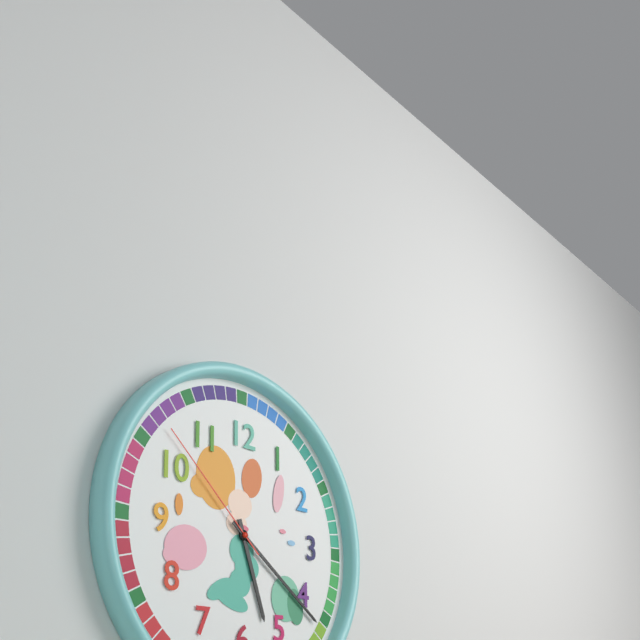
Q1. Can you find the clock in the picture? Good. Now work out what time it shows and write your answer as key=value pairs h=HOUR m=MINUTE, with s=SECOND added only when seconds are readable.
h=5 m=21 s=52
